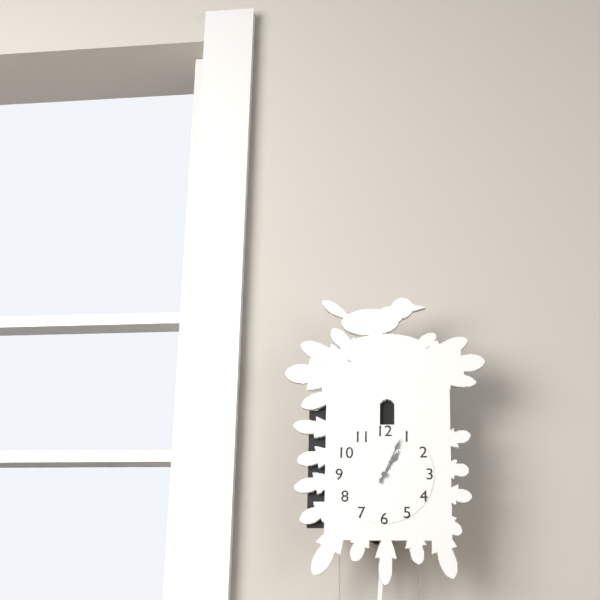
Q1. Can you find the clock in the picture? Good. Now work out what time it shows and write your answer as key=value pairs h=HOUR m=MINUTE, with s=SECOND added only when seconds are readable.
h=1 m=4
